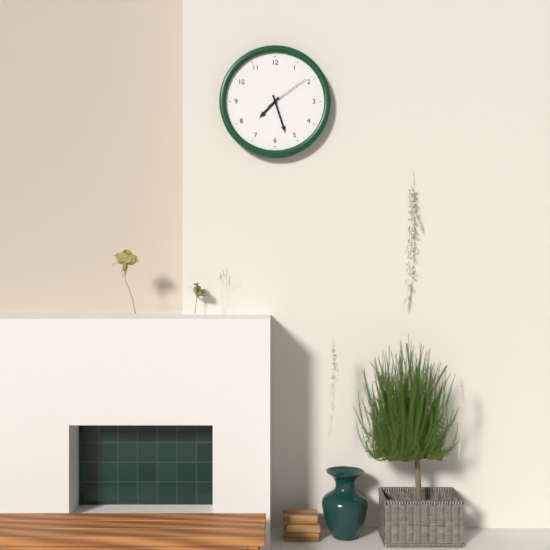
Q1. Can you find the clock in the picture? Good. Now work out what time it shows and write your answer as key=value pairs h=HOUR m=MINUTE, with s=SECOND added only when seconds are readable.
h=7 m=27
